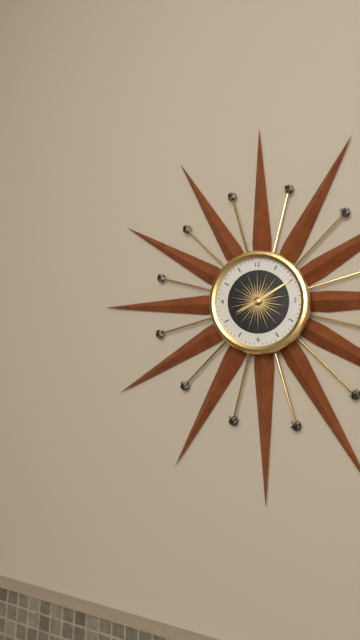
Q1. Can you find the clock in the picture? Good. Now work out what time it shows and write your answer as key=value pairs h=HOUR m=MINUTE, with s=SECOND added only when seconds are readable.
h=8 m=10
